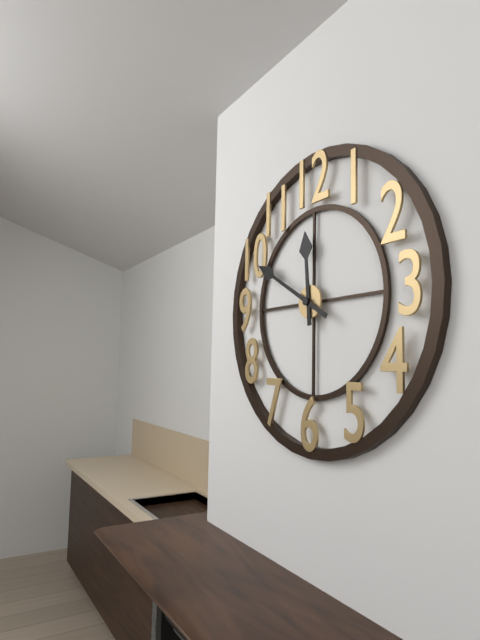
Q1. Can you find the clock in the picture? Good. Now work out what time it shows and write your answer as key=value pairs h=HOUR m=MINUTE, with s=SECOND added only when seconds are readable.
h=11 m=50
